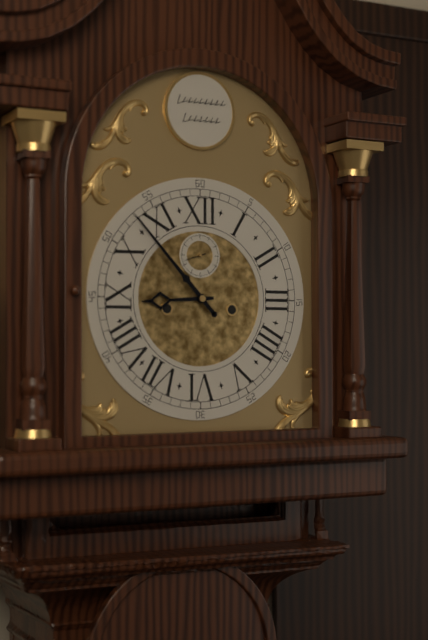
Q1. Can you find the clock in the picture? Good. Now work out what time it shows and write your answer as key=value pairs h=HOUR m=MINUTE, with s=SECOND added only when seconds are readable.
h=8 m=53
